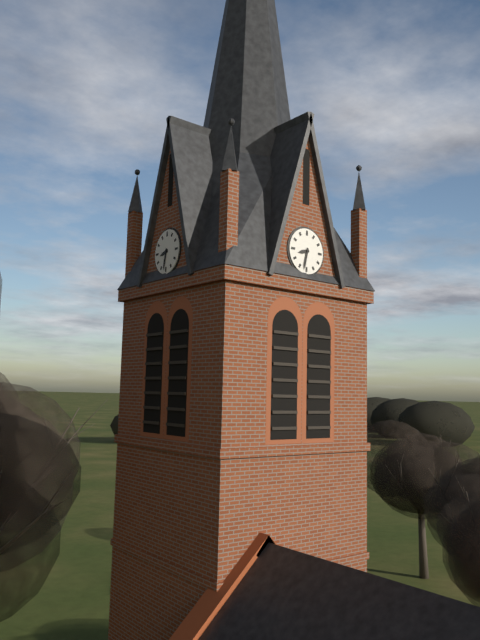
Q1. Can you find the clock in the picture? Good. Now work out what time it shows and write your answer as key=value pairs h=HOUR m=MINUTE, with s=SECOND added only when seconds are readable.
h=8 m=32
